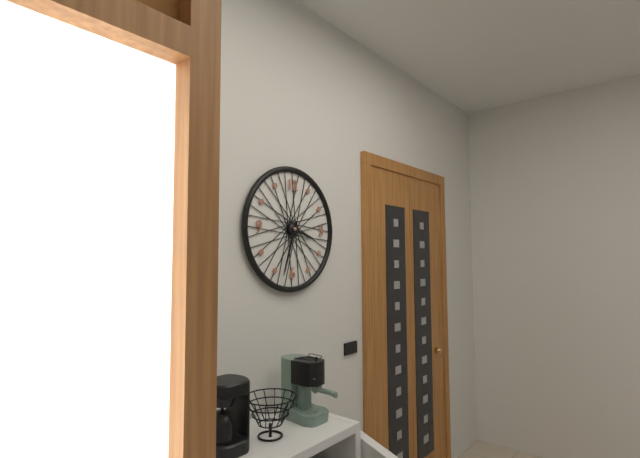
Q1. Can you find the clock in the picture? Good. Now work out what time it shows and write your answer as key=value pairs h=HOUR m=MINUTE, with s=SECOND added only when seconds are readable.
h=3 m=33
